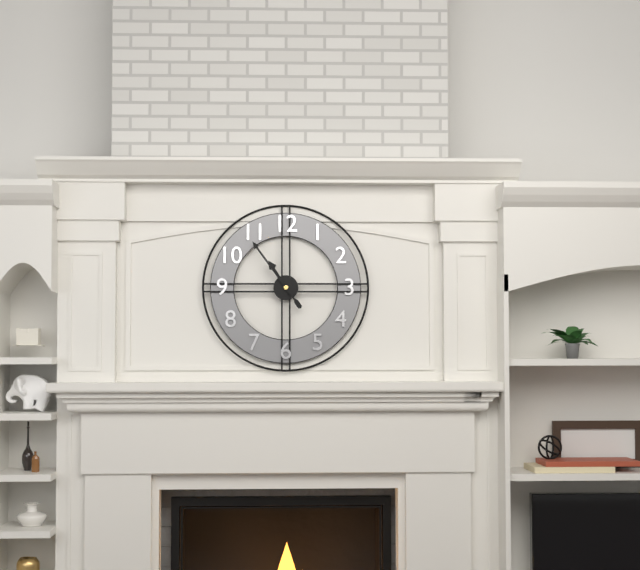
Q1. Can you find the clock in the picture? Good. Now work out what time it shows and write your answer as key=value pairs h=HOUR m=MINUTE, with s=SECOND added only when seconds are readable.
h=10 m=54
